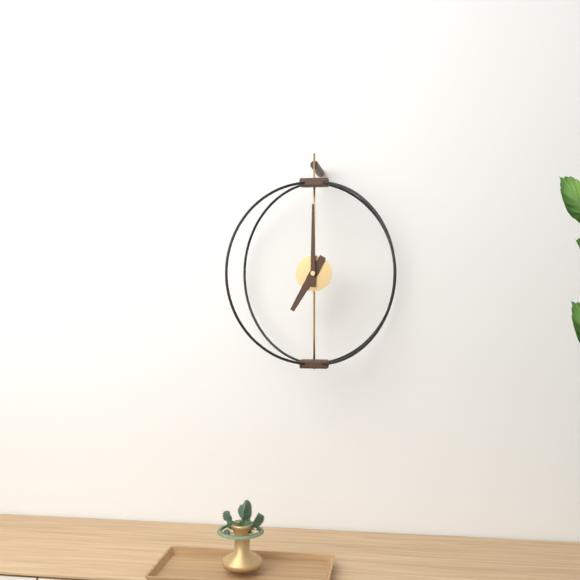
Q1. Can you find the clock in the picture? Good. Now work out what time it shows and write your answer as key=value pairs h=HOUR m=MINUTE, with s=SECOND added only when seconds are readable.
h=7 m=0
